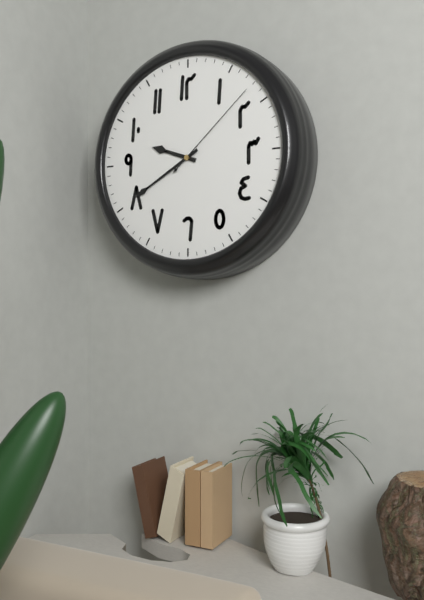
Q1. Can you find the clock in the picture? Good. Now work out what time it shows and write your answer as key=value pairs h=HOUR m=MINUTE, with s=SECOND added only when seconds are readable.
h=9 m=40 s=8
